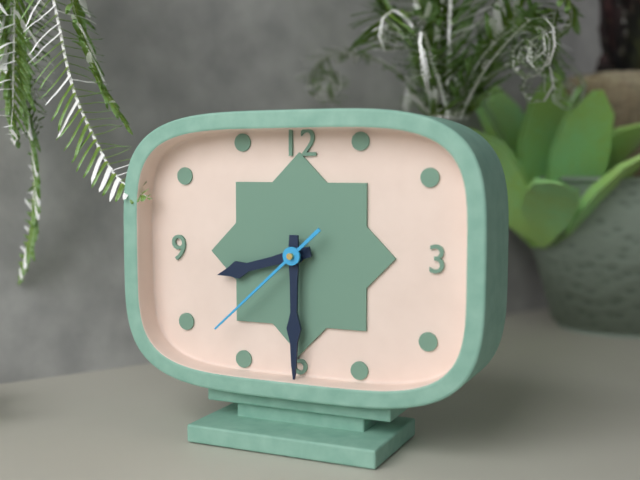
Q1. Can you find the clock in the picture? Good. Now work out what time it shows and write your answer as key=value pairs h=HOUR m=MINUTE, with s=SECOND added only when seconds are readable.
h=8 m=30 s=38
